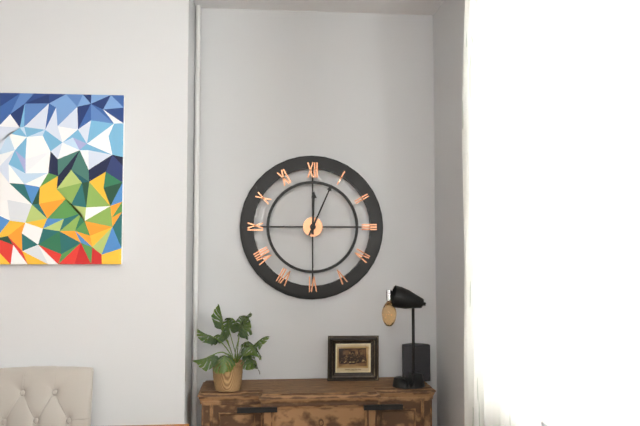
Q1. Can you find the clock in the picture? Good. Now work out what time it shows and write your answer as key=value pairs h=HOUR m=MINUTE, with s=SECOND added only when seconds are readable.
h=12 m=4
